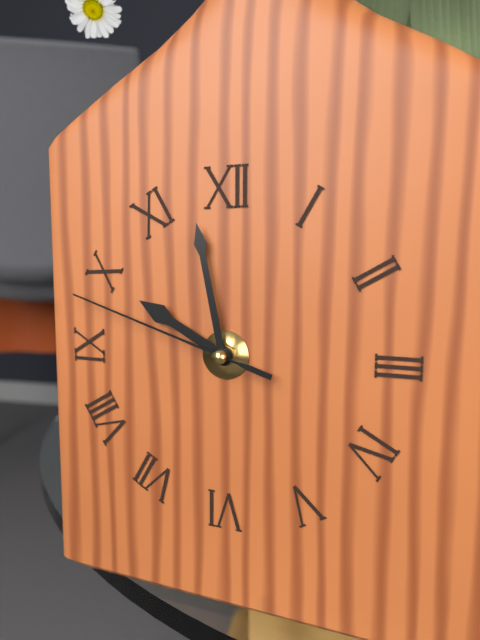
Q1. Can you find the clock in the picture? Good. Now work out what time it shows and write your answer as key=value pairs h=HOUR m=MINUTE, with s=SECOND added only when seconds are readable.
h=9 m=58 s=48
